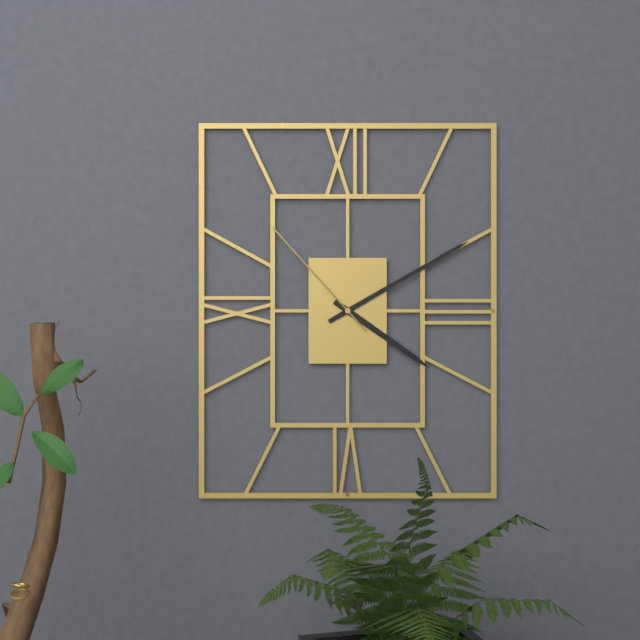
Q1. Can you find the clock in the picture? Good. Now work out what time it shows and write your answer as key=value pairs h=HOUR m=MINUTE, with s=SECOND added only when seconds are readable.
h=4 m=10 s=53
